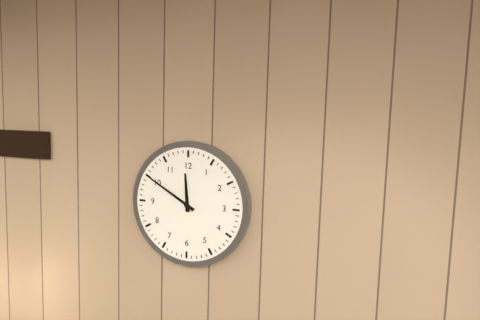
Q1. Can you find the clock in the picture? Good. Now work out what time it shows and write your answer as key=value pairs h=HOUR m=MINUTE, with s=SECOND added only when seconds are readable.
h=11 m=50
